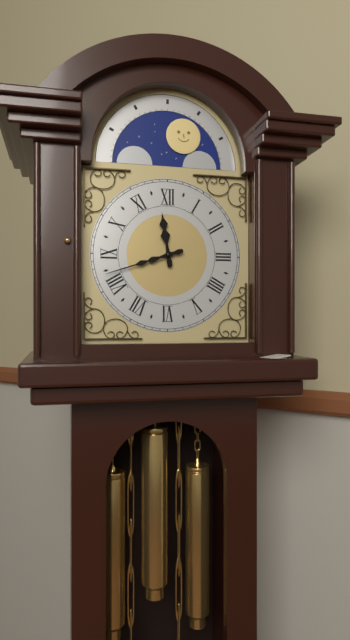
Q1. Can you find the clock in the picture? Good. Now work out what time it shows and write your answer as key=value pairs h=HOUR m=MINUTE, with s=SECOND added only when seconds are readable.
h=11 m=42
